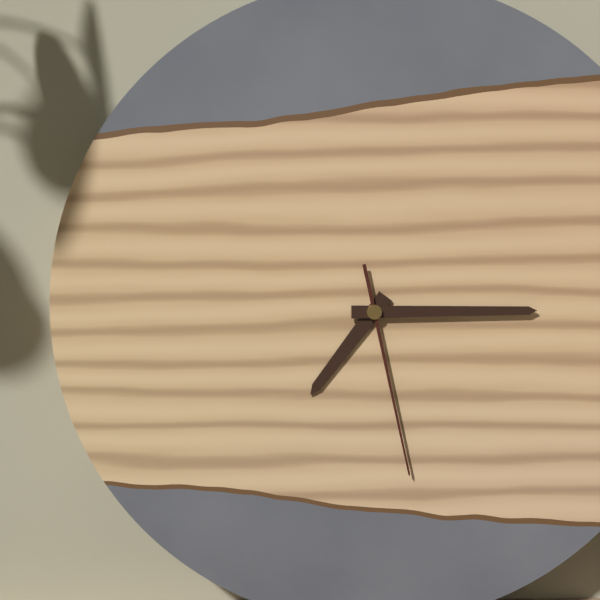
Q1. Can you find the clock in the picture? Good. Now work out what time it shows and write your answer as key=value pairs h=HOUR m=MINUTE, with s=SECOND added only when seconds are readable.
h=7 m=15 s=28
